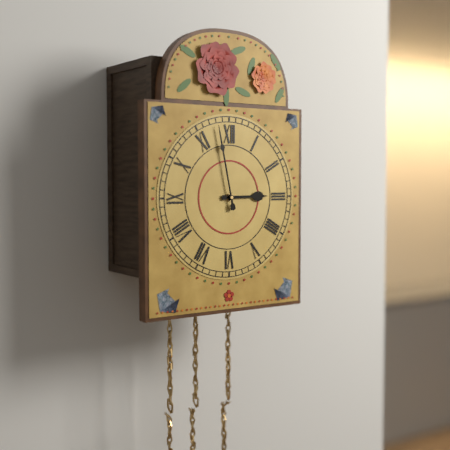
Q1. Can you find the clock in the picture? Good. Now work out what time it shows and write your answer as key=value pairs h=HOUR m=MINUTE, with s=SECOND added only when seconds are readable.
h=2 m=58
